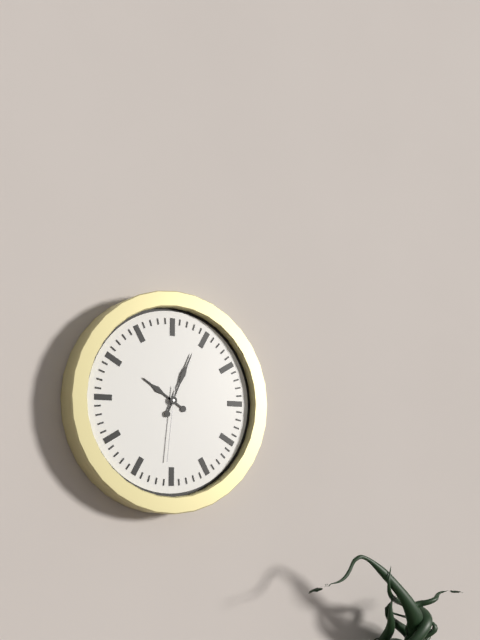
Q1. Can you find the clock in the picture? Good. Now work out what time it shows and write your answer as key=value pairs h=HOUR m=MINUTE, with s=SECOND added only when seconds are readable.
h=10 m=4 s=31
